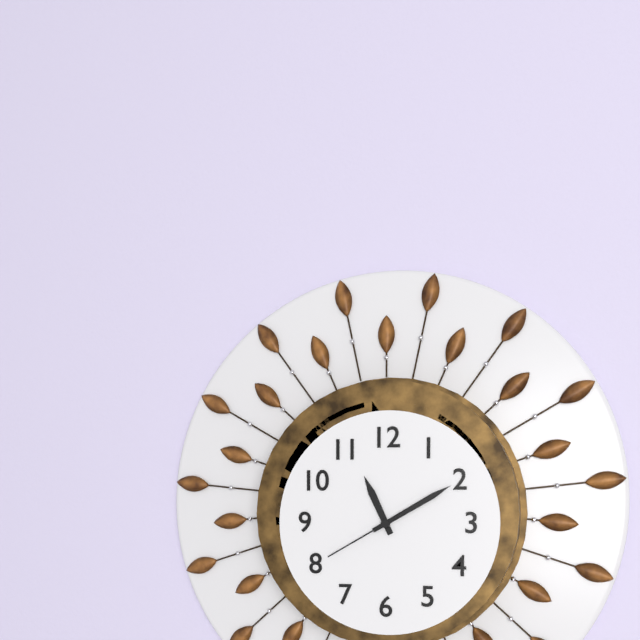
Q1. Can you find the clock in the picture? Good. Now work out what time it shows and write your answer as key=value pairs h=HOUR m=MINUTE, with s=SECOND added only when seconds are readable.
h=11 m=10 s=40
